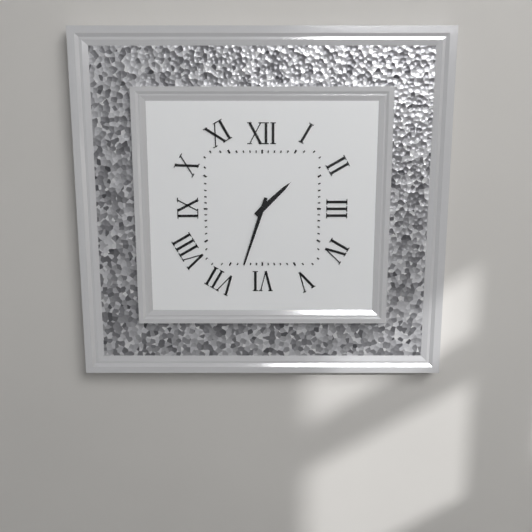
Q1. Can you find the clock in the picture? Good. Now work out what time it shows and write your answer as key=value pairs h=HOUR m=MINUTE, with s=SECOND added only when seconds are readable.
h=1 m=33
